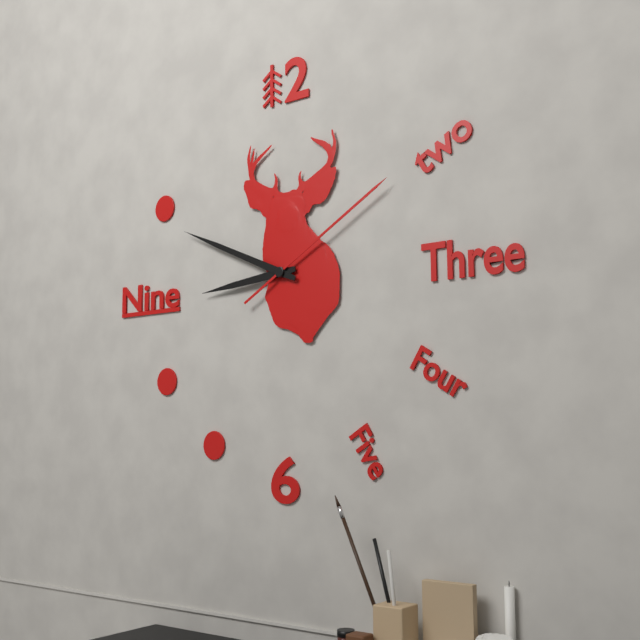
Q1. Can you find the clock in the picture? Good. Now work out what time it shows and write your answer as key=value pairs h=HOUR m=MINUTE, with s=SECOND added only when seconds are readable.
h=8 m=49 s=10
